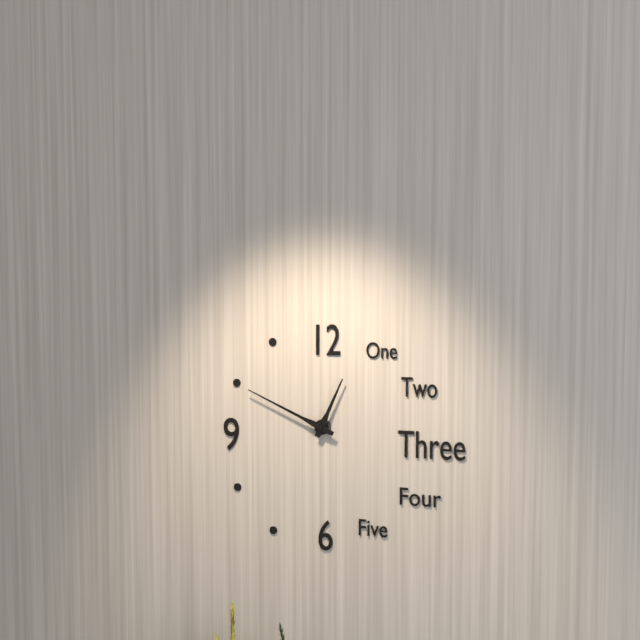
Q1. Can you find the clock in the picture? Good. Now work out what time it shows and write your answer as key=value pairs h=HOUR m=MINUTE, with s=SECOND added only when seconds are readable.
h=12 m=49
